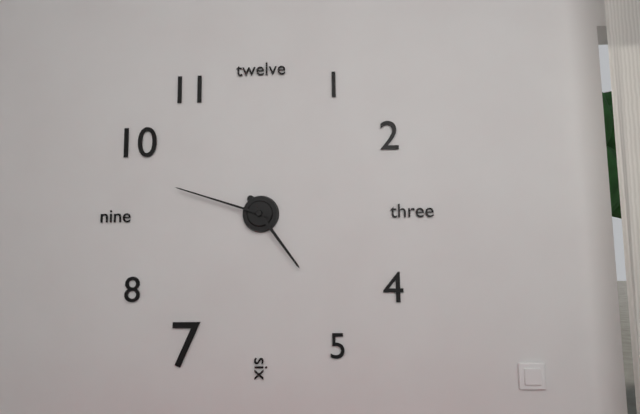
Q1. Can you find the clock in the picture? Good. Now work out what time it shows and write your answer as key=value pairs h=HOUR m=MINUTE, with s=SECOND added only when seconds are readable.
h=4 m=48
